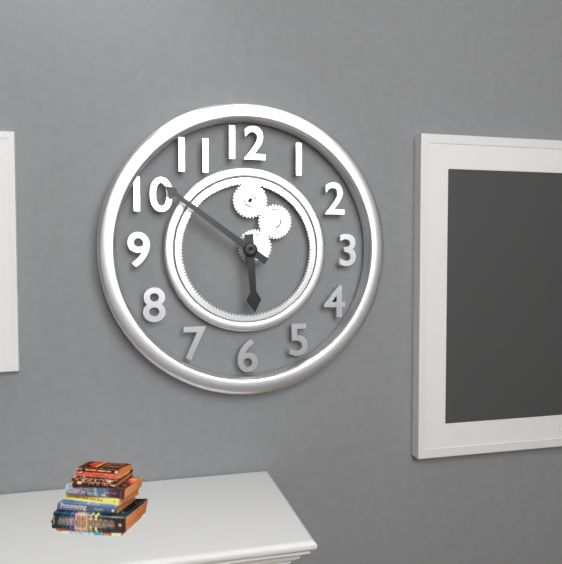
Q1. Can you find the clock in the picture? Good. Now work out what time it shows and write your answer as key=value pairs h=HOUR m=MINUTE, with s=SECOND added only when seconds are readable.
h=5 m=51
